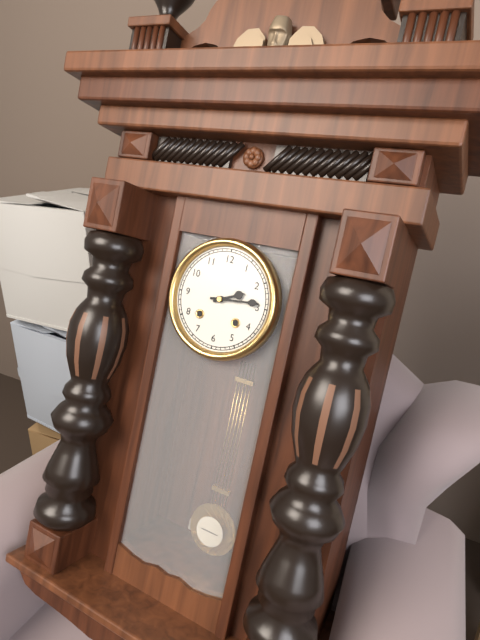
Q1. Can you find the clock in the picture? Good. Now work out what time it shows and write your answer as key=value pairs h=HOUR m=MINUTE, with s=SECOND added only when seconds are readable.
h=2 m=14
